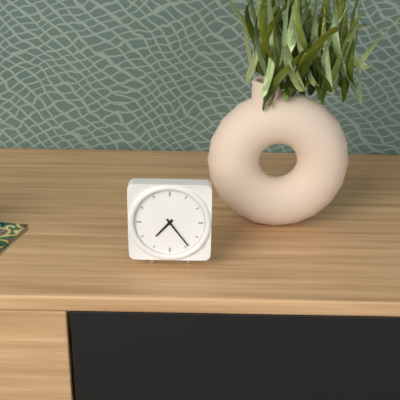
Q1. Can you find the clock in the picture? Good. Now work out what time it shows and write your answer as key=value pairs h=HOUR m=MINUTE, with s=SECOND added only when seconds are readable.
h=7 m=24
